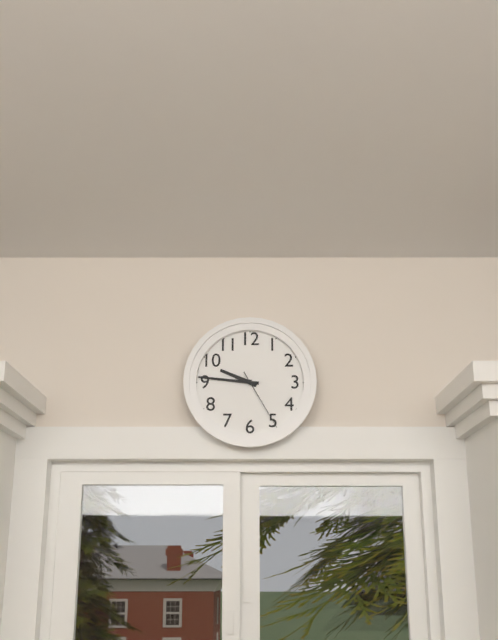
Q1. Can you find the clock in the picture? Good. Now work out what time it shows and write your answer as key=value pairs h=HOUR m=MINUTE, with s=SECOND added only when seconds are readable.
h=9 m=46 s=25
